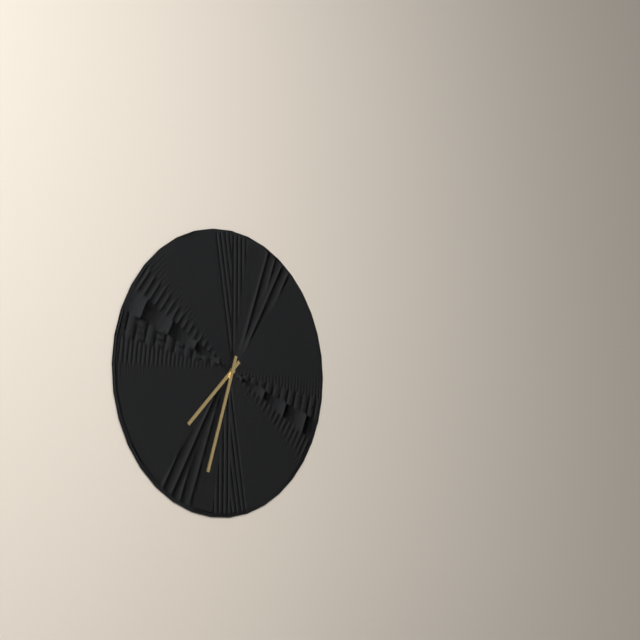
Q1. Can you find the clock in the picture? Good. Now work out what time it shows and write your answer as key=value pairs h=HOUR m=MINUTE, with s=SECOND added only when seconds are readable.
h=7 m=33
